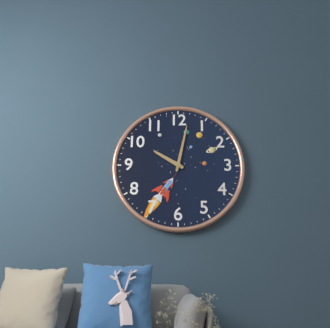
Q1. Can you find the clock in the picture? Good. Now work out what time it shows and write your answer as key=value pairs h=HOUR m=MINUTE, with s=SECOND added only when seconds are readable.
h=10 m=2
